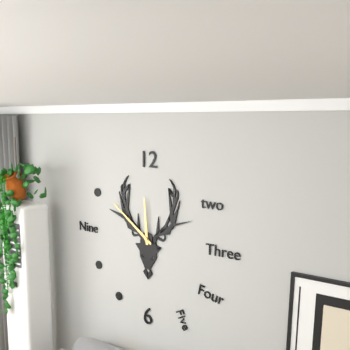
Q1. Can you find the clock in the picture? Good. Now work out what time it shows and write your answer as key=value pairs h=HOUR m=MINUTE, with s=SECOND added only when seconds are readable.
h=11 m=51
